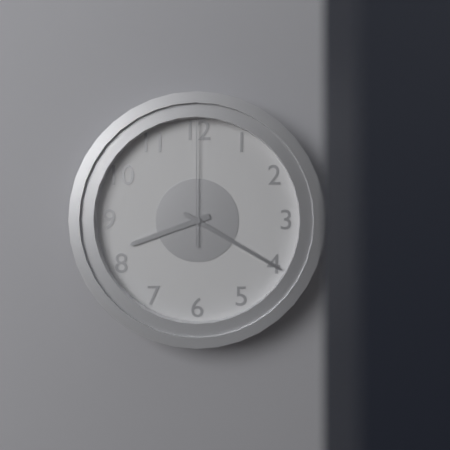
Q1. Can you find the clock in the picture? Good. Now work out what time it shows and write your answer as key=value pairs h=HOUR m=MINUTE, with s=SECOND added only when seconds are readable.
h=8 m=20 s=0
